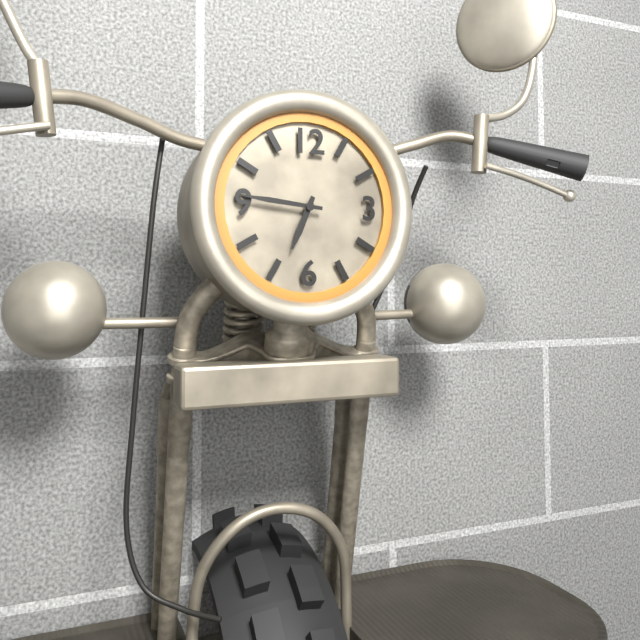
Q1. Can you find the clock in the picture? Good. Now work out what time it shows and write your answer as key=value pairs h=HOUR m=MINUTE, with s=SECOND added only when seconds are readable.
h=6 m=46
